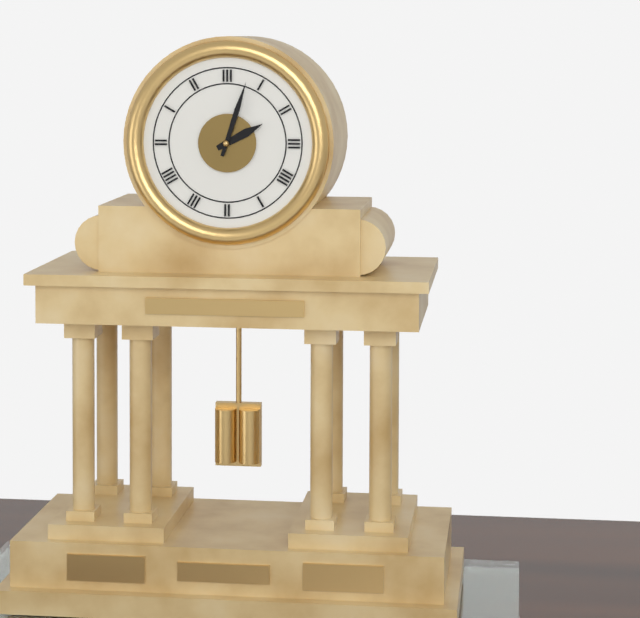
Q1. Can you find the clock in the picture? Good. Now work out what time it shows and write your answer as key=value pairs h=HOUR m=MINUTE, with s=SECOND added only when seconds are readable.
h=2 m=3
